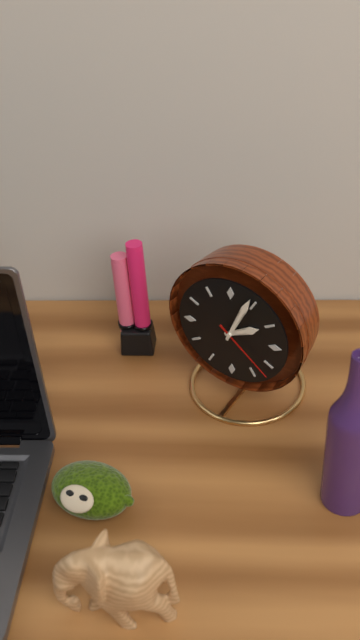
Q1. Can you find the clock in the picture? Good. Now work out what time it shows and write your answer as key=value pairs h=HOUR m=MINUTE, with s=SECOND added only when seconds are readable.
h=2 m=4 s=22
